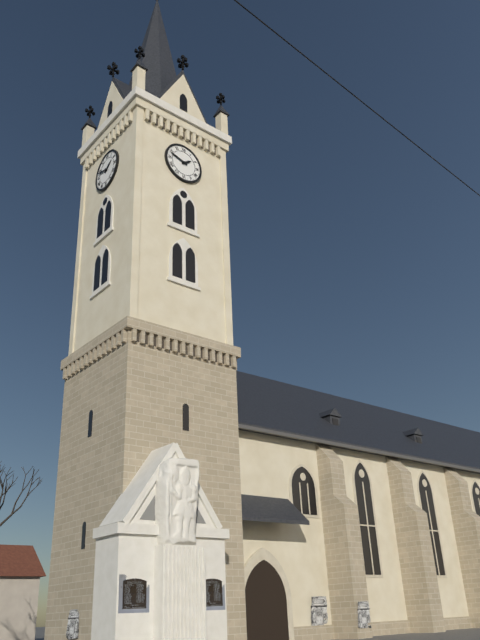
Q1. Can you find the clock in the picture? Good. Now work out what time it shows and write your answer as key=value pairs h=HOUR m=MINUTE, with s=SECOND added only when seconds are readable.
h=1 m=48
